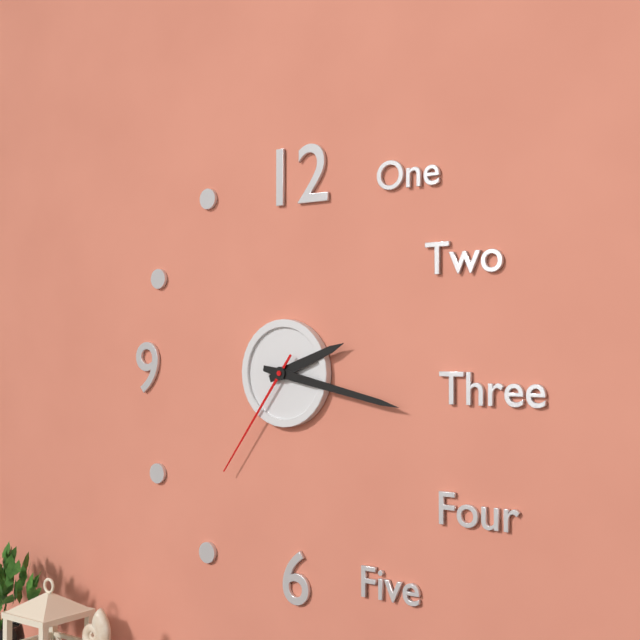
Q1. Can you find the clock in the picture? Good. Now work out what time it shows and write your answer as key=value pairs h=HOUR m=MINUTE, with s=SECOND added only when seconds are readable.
h=2 m=17 s=36
